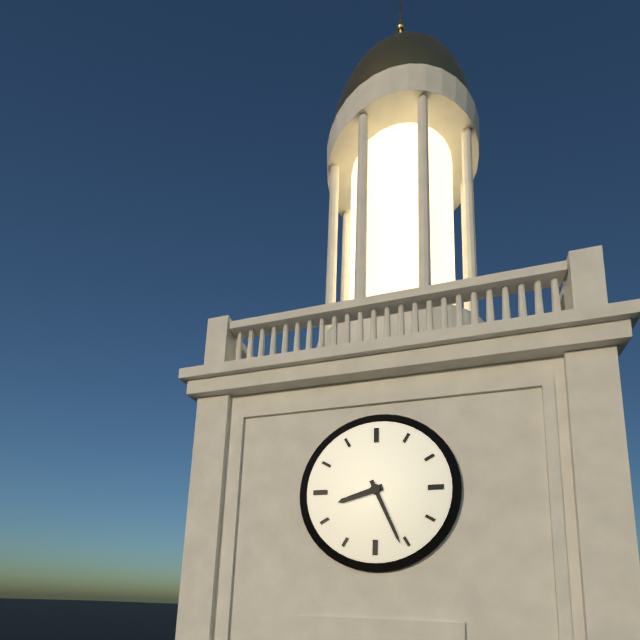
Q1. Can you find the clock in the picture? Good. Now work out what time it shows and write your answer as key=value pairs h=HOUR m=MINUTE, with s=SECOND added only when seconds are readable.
h=8 m=26
